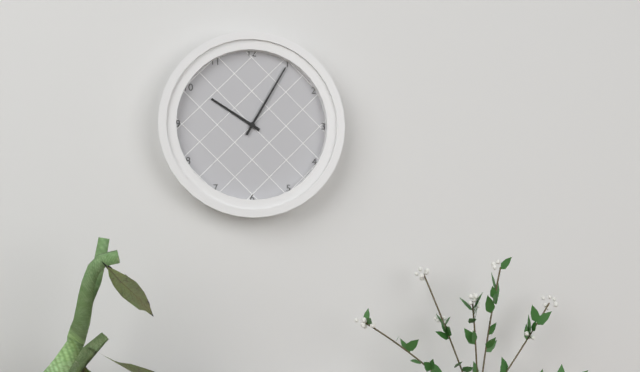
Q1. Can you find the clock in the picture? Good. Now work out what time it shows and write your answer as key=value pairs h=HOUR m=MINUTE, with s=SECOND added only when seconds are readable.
h=10 m=5
